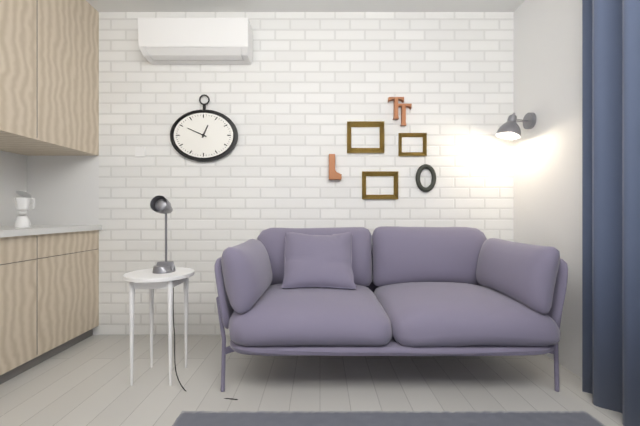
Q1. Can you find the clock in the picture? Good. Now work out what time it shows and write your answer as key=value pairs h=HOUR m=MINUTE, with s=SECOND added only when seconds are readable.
h=12 m=49
